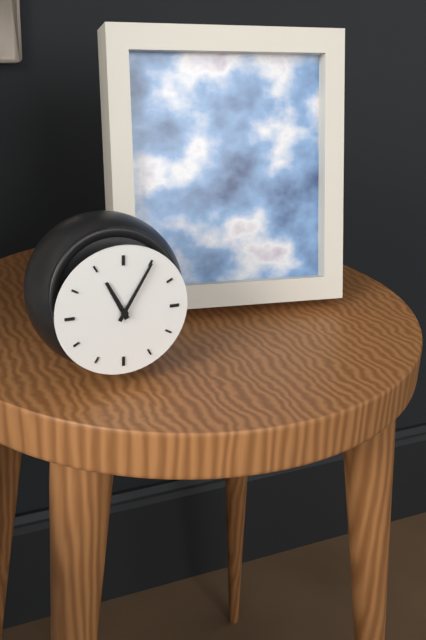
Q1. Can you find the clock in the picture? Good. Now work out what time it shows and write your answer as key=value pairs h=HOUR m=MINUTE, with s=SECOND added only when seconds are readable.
h=11 m=5
